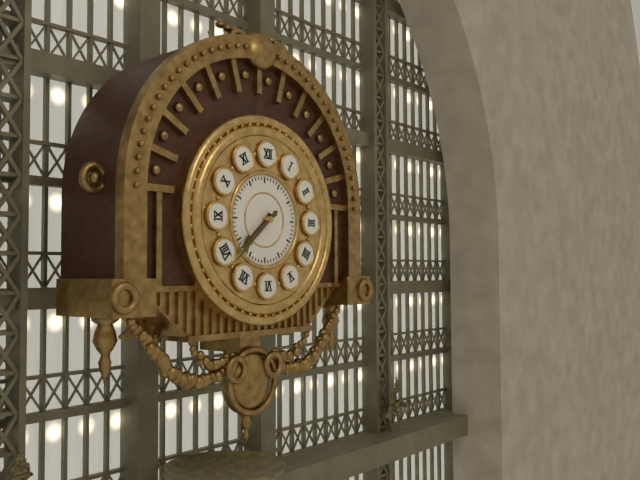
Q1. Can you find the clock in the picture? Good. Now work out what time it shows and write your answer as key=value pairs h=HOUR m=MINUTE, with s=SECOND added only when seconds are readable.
h=7 m=38
